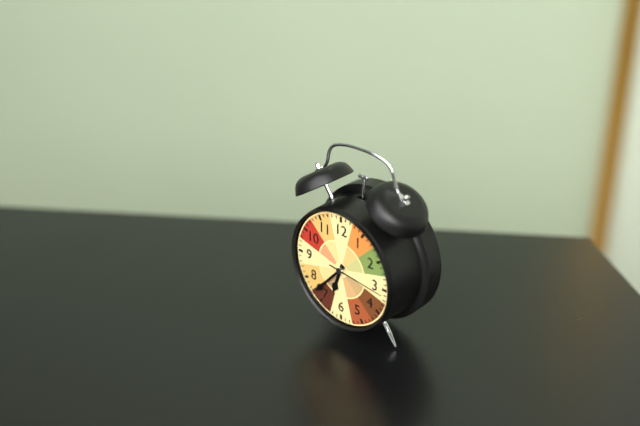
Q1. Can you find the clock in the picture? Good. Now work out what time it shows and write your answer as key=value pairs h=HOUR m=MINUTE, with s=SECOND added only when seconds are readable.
h=6 m=37 s=16
